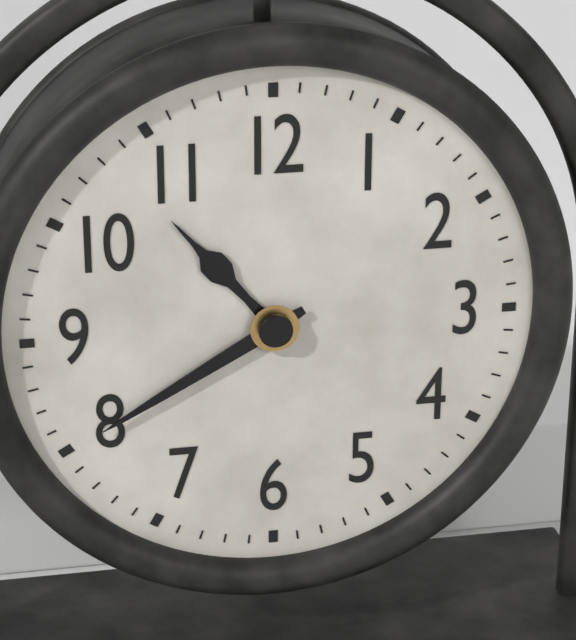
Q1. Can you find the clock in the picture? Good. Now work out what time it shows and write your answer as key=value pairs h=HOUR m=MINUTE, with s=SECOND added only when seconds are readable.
h=10 m=40
